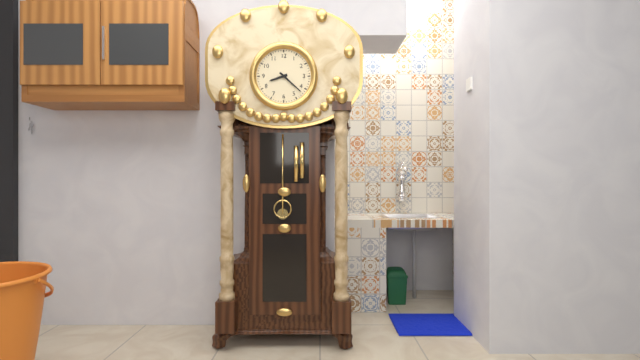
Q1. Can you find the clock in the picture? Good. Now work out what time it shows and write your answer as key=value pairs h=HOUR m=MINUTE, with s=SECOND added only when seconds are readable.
h=8 m=22
